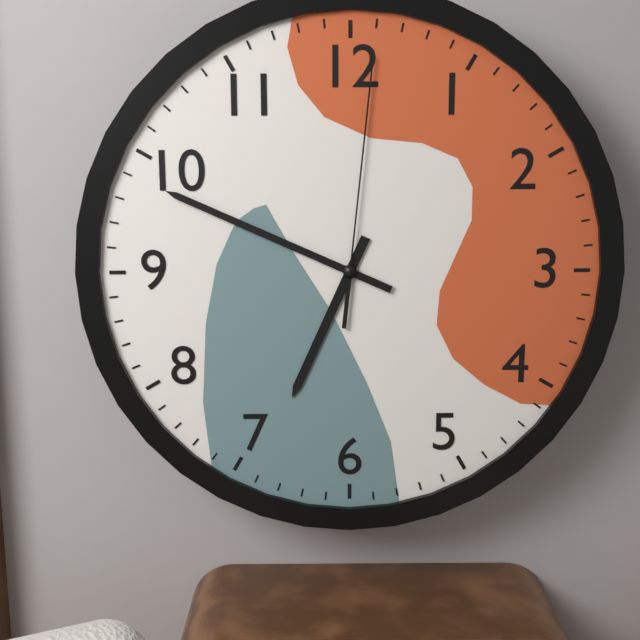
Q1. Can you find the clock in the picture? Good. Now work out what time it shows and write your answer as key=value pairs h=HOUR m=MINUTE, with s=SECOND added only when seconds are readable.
h=6 m=49 s=1
